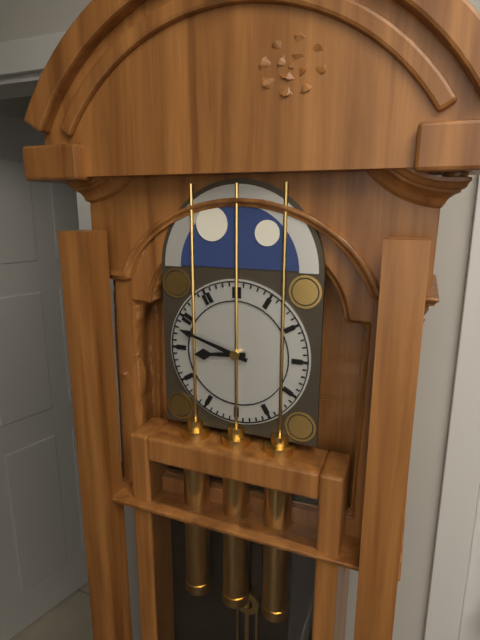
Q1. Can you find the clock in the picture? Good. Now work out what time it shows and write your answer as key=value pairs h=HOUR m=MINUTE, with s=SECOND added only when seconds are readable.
h=8 m=48
